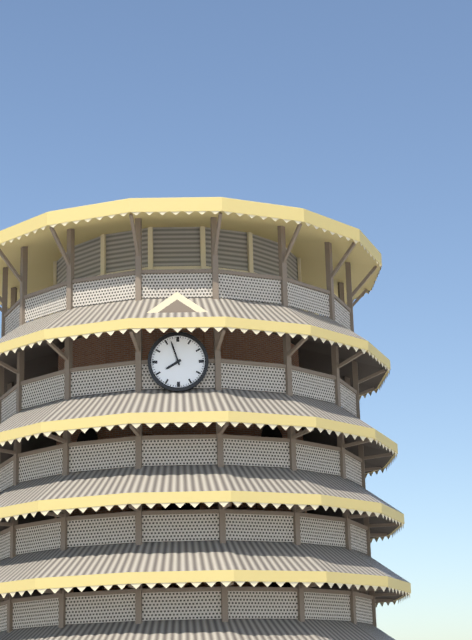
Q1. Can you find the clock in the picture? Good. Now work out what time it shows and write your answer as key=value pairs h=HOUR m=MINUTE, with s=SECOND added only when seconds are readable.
h=7 m=57
